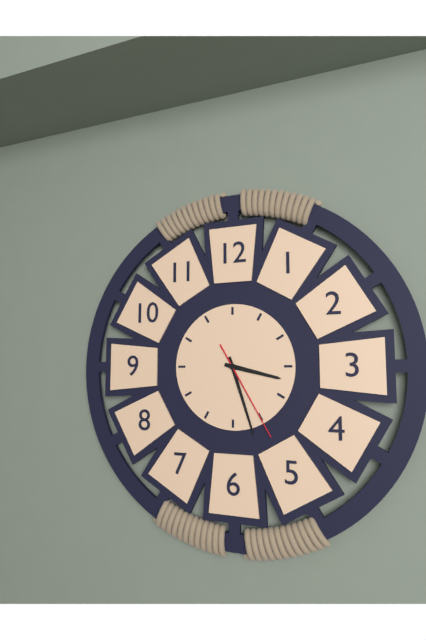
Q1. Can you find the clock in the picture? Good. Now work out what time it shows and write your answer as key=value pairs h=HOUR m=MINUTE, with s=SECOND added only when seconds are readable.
h=3 m=27 s=25
